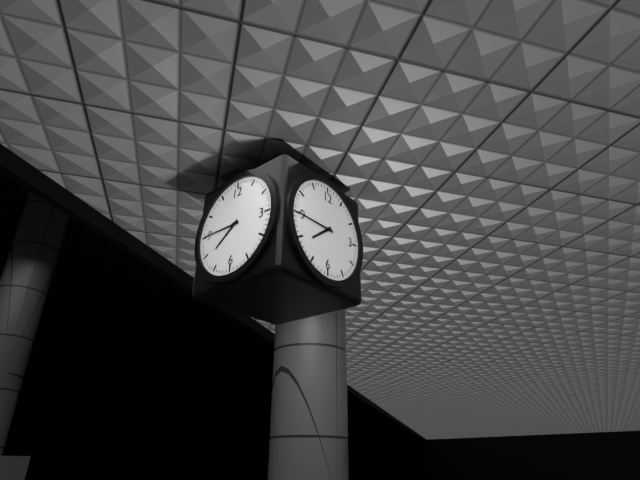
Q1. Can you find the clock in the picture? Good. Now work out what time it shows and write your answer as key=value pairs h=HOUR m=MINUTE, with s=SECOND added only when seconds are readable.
h=7 m=45
